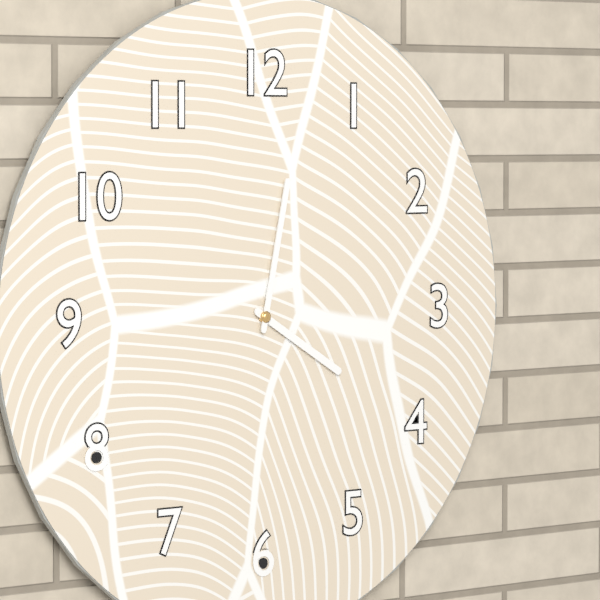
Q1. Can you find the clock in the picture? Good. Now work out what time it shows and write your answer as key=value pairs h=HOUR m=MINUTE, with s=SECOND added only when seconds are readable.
h=4 m=2
